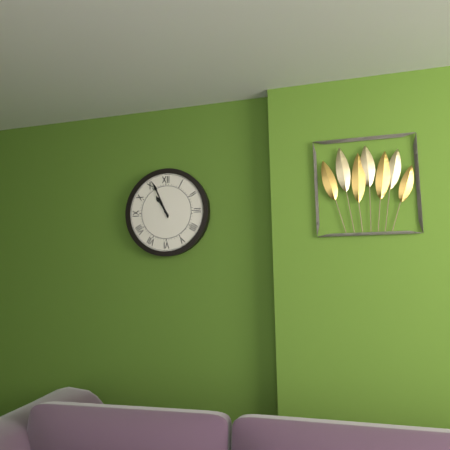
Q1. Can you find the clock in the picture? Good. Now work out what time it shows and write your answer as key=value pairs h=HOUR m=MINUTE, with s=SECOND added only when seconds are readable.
h=10 m=56
